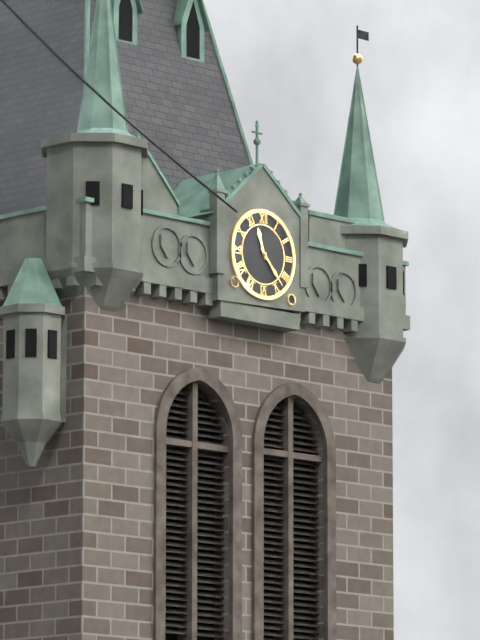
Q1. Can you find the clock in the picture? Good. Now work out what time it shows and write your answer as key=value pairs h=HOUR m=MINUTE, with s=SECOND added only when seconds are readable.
h=11 m=23
